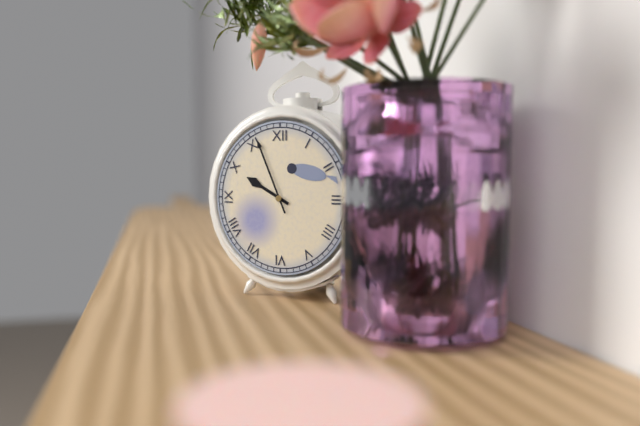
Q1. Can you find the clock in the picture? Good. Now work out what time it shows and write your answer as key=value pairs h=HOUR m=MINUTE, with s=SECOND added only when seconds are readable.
h=9 m=56
